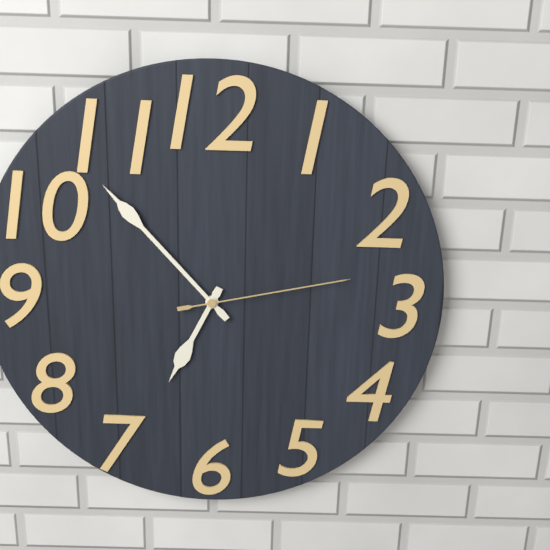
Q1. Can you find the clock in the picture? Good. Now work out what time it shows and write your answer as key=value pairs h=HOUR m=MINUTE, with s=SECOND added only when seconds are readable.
h=6 m=53 s=13
